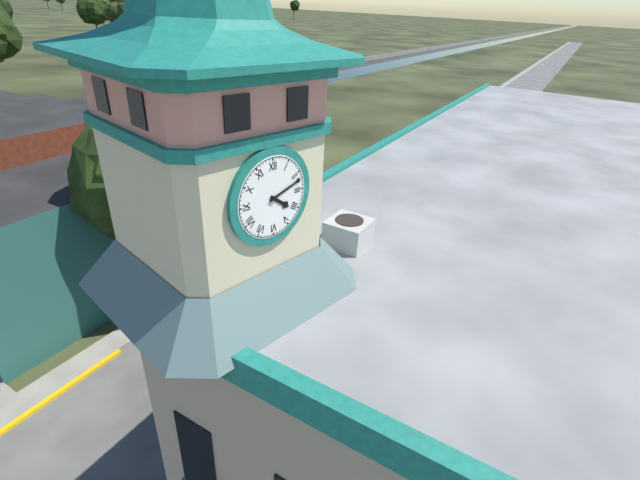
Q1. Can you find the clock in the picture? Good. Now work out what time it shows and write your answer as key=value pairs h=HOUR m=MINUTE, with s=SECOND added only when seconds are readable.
h=4 m=12
